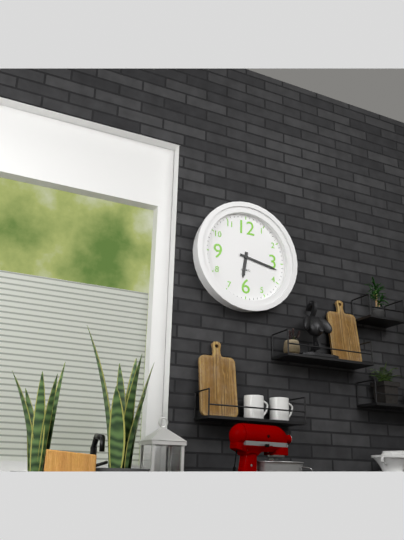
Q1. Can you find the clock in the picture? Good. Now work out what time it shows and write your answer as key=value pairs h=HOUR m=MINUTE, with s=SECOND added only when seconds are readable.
h=6 m=17
